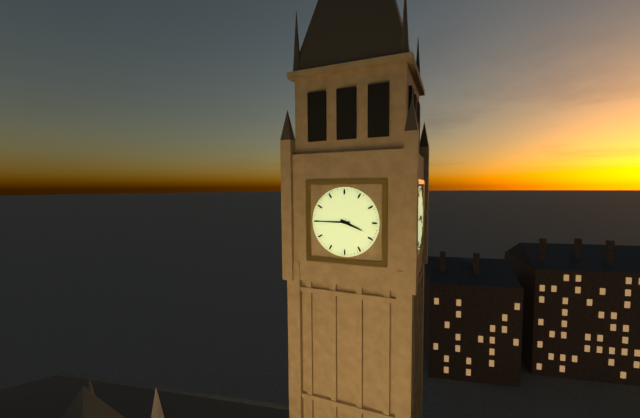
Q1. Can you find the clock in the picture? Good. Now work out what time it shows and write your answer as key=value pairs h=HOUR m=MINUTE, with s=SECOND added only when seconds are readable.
h=3 m=45
